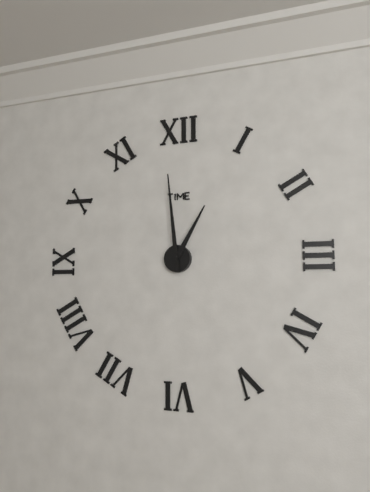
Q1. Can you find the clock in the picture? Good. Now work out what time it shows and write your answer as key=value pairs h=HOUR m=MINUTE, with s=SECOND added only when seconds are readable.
h=12 m=59
